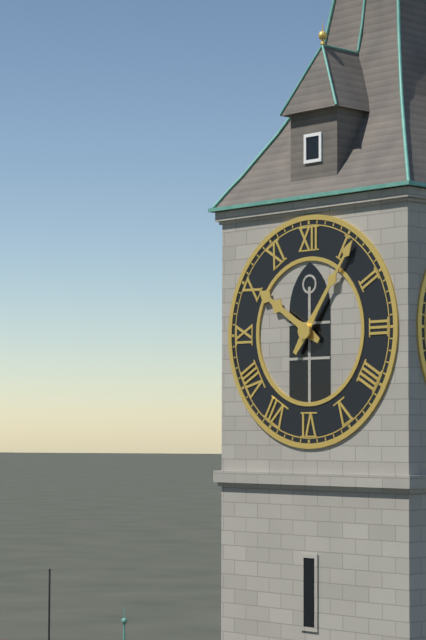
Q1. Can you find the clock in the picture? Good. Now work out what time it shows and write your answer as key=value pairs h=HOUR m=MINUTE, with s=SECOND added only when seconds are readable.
h=10 m=6
